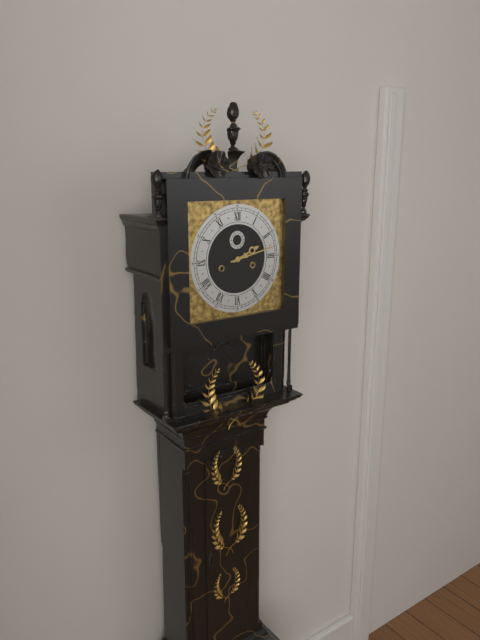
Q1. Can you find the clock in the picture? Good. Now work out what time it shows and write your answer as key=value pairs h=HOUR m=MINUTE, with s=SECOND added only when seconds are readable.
h=2 m=13
